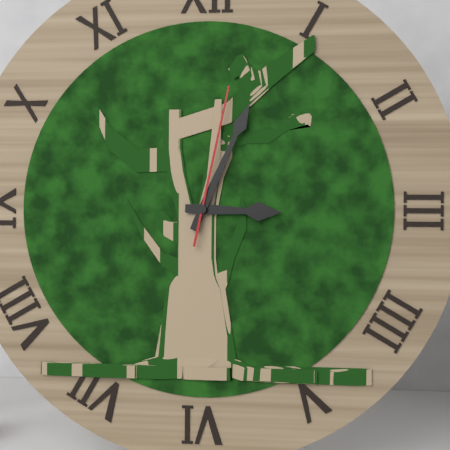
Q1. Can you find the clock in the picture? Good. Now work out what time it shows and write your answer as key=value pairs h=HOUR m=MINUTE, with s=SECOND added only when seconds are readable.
h=3 m=4 s=2
